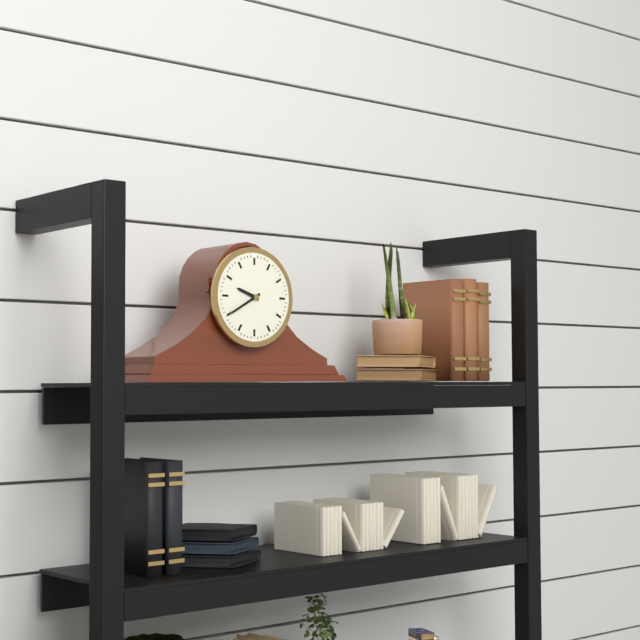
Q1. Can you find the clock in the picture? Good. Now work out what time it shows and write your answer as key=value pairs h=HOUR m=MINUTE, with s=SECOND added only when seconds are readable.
h=9 m=40
